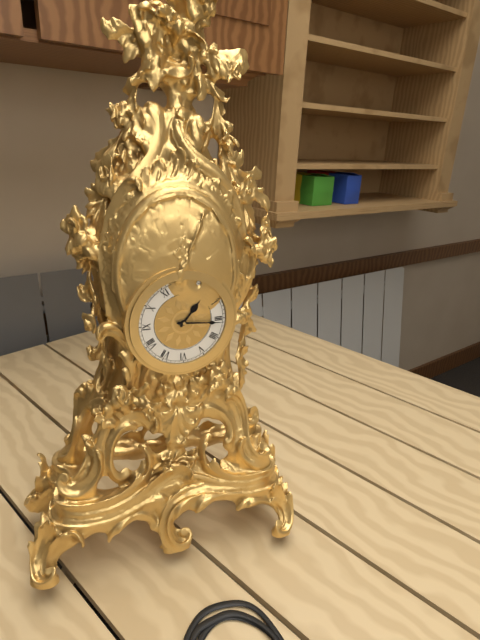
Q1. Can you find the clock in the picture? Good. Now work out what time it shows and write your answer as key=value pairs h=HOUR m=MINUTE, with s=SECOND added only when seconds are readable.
h=1 m=16
